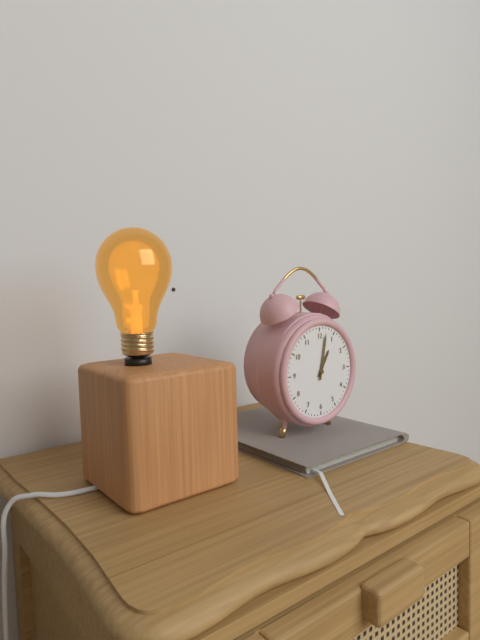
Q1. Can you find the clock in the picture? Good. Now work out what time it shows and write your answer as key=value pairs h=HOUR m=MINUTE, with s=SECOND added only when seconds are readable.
h=1 m=2
